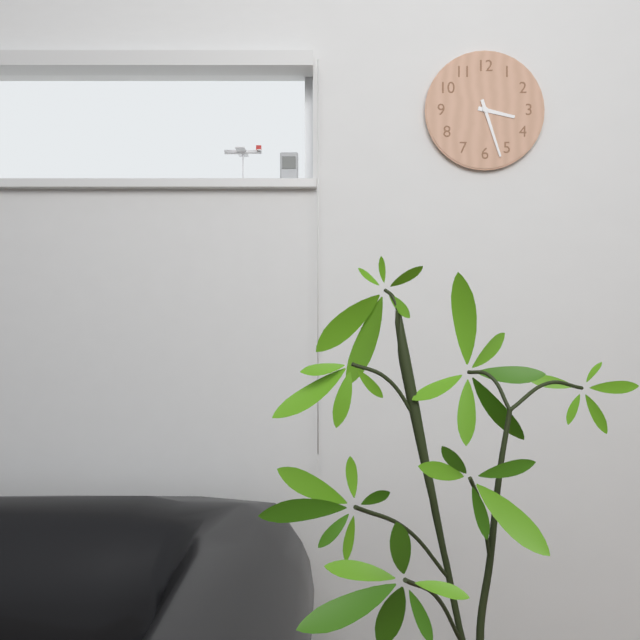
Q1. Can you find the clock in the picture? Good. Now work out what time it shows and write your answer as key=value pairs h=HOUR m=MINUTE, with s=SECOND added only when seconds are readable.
h=3 m=27
